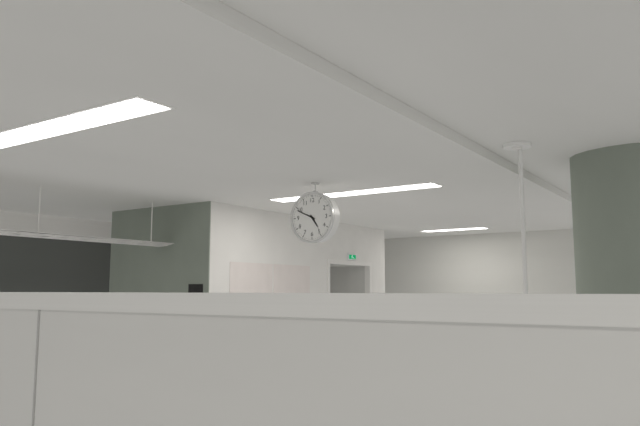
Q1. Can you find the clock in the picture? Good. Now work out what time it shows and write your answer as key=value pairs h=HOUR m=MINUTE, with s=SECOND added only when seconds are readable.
h=4 m=49
